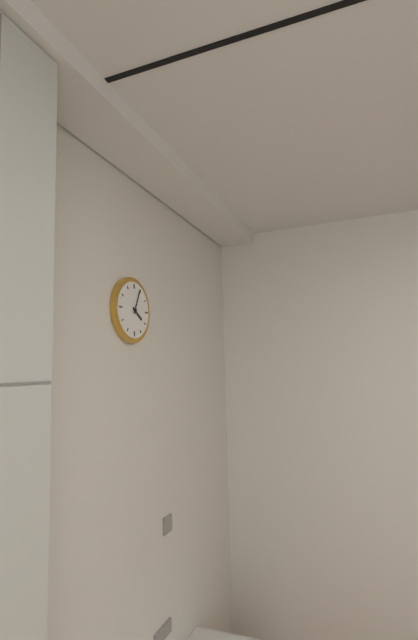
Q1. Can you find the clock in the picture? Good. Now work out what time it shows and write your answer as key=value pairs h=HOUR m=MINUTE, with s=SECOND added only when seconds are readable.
h=4 m=4
